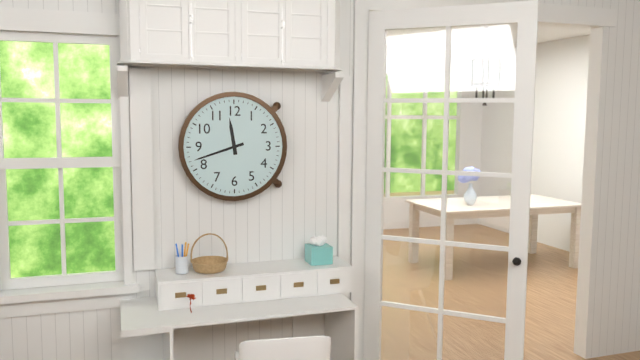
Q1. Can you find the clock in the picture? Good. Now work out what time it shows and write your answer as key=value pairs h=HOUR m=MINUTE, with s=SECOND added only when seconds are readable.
h=11 m=42
